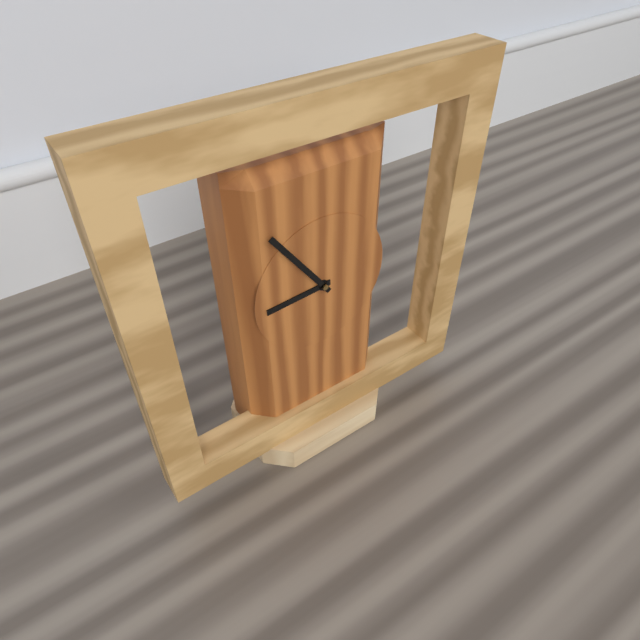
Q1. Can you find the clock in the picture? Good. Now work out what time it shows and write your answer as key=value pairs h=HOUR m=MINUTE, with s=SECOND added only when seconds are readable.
h=8 m=54
